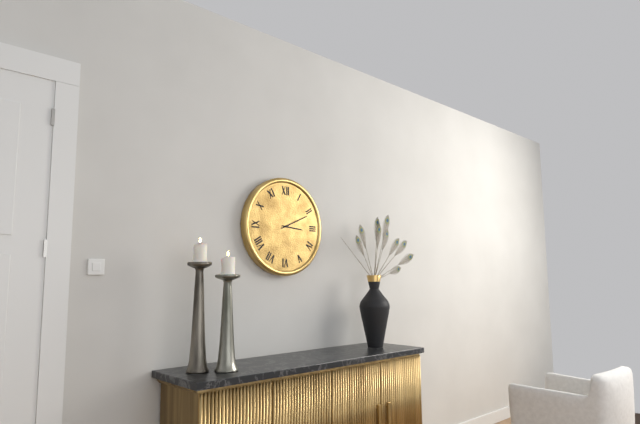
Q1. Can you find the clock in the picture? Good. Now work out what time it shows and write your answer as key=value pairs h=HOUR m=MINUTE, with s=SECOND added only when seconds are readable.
h=3 m=11
